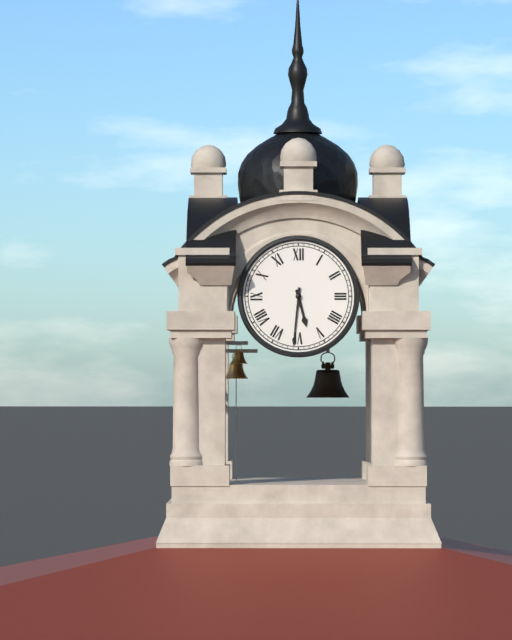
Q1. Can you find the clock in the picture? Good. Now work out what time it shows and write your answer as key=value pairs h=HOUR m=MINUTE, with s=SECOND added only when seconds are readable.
h=5 m=31
